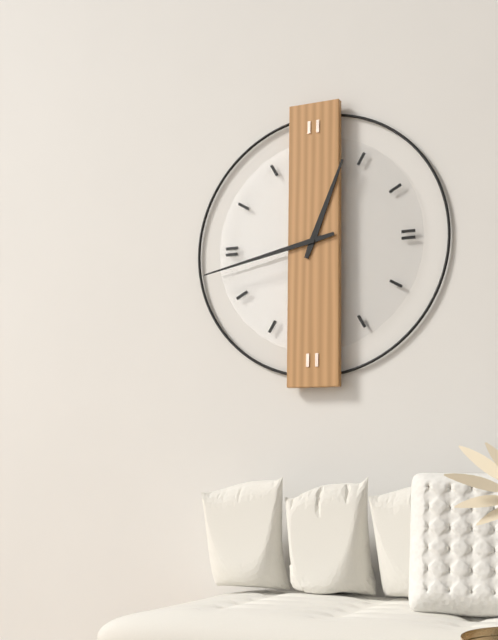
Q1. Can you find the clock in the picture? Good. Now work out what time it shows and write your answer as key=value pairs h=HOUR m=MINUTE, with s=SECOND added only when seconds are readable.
h=12 m=43
